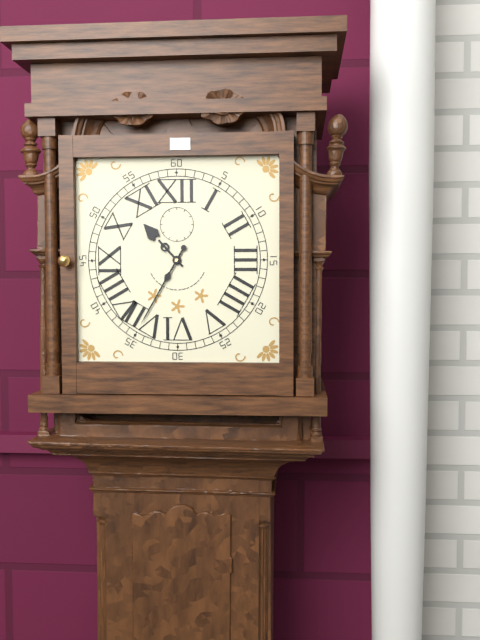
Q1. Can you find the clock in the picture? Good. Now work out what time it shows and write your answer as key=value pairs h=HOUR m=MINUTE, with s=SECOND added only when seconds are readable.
h=10 m=35
